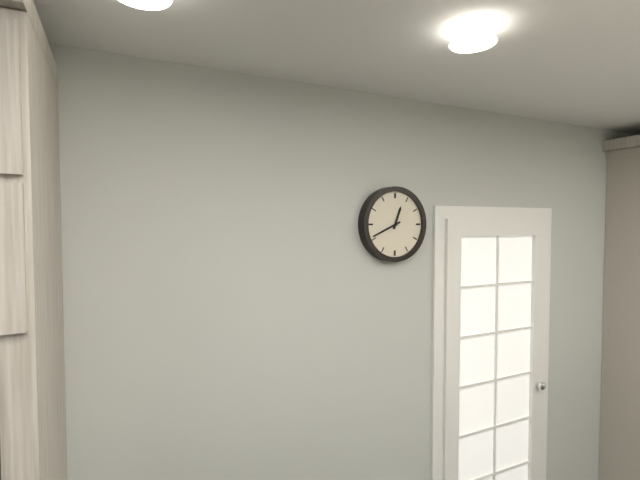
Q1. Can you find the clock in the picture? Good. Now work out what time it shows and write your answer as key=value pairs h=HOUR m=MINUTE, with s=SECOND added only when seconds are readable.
h=12 m=41
